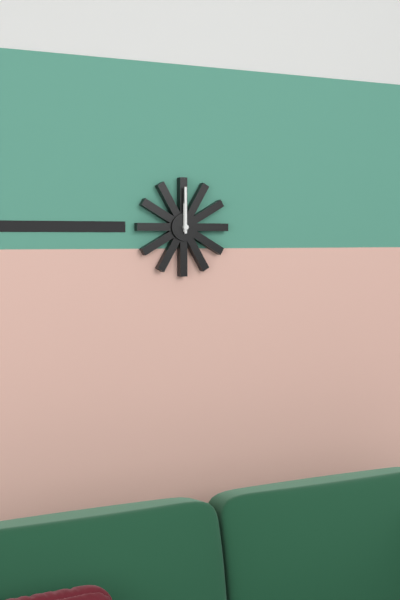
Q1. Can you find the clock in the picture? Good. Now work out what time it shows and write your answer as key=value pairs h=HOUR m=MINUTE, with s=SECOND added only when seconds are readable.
h=12 m=0
